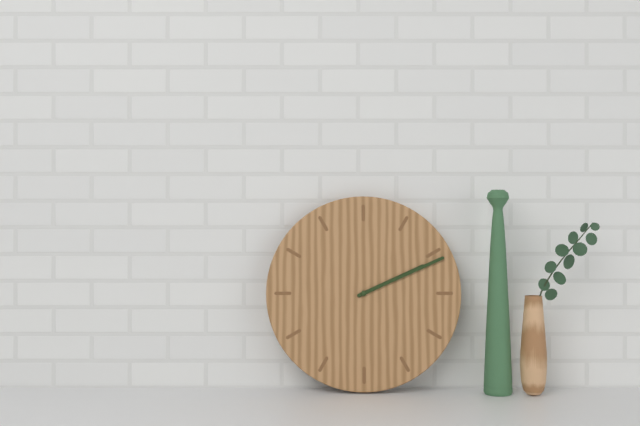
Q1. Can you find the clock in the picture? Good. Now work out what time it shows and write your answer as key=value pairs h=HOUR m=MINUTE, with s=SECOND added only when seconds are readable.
h=2 m=11
